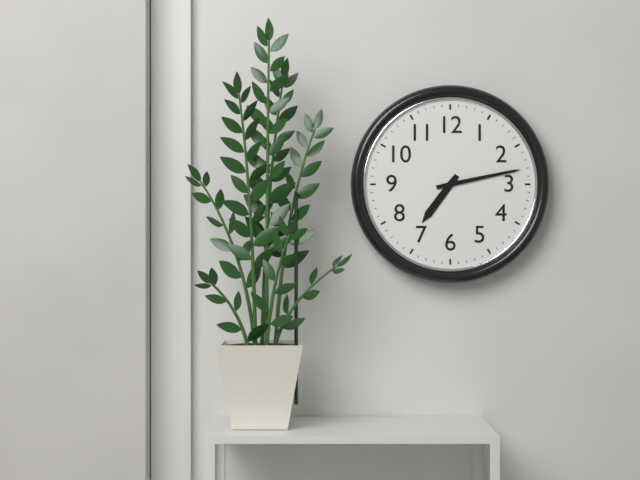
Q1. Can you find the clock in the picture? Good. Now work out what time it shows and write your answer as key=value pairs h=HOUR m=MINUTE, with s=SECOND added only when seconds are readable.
h=7 m=13
